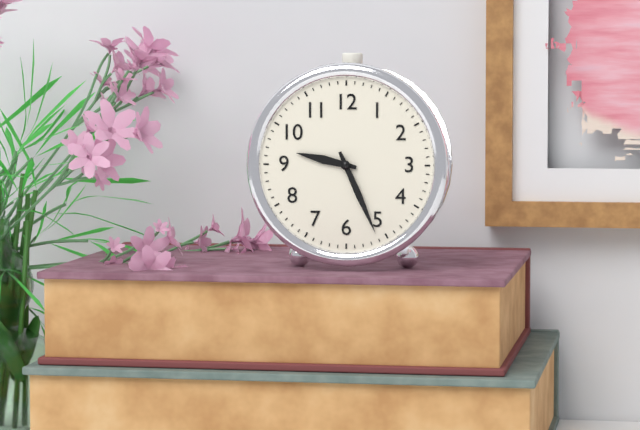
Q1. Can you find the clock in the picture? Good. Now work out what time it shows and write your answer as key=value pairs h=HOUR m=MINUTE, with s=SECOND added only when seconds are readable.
h=9 m=26
